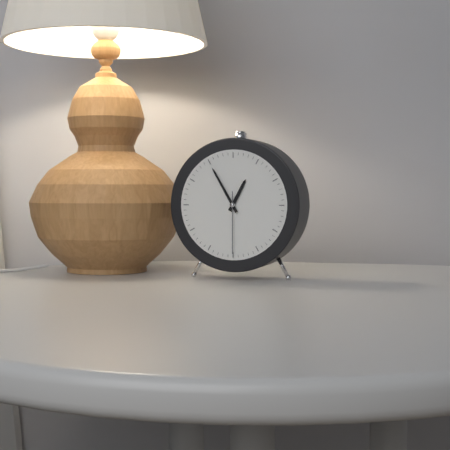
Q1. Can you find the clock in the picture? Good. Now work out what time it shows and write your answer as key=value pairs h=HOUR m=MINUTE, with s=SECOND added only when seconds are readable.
h=12 m=55 s=30
